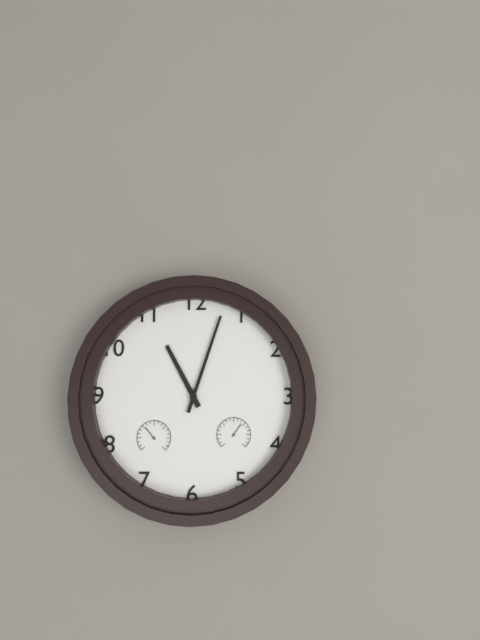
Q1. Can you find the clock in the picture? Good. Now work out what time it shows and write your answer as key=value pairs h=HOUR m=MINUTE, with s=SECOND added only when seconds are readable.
h=11 m=3
